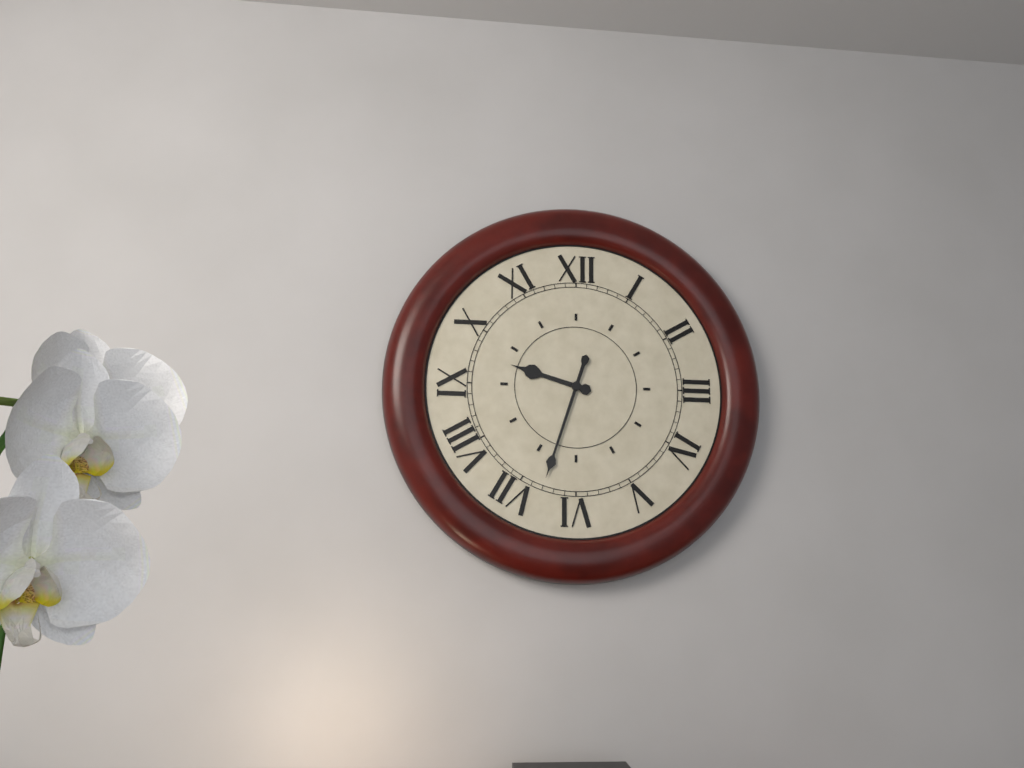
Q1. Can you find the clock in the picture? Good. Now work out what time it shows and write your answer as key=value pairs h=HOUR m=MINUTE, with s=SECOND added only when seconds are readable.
h=9 m=33
